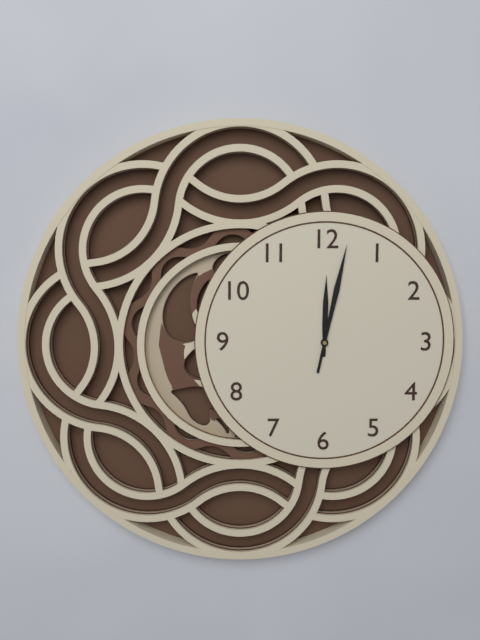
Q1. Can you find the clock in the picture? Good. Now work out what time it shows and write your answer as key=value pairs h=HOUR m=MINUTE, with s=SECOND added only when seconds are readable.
h=12 m=2
